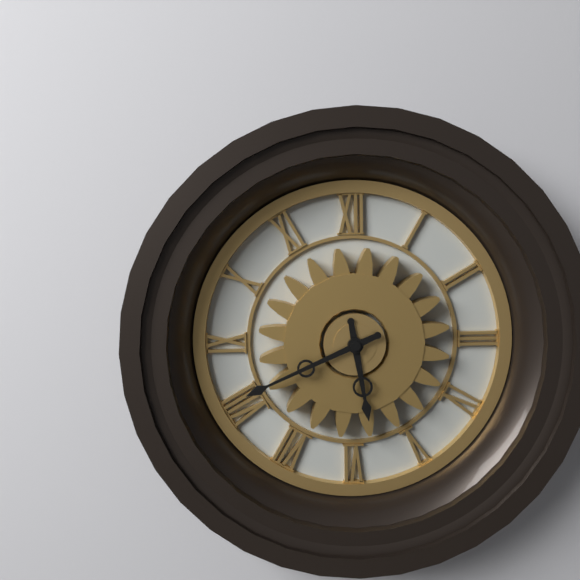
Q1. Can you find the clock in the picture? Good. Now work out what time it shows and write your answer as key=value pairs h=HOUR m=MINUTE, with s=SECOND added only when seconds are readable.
h=5 m=41
